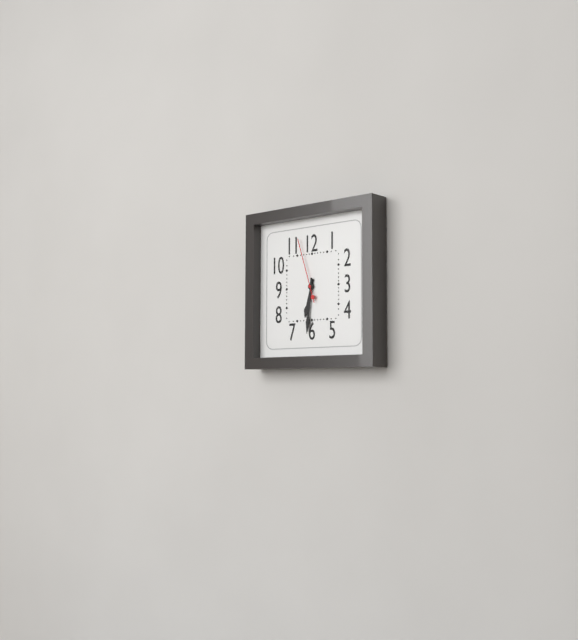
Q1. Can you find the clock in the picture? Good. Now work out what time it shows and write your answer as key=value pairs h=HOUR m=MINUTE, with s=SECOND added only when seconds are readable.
h=6 m=31 s=57
